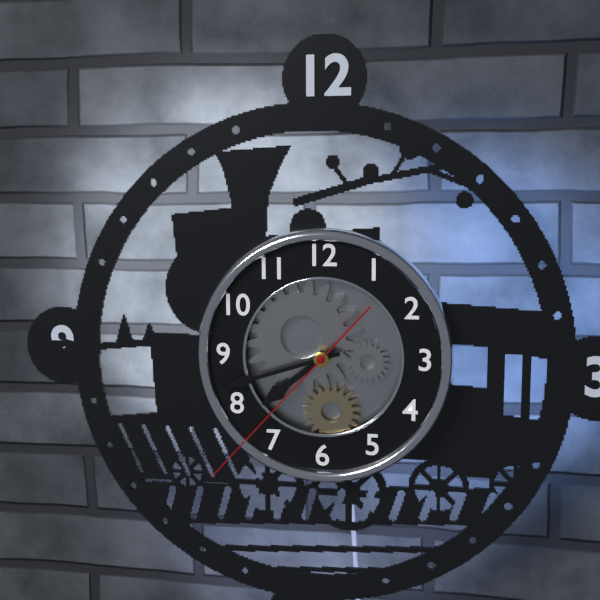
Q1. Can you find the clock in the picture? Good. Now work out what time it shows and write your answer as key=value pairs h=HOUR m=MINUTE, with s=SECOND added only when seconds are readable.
h=7 m=42 s=37
